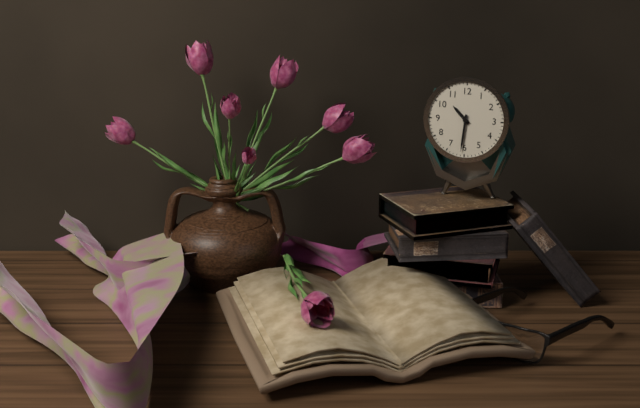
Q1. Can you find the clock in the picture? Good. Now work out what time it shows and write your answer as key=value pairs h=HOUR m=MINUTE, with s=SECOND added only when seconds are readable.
h=10 m=31
